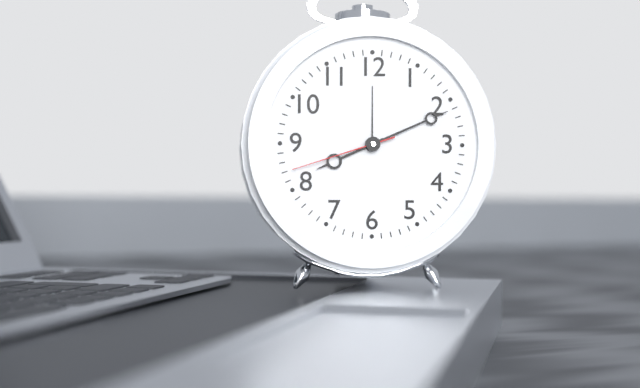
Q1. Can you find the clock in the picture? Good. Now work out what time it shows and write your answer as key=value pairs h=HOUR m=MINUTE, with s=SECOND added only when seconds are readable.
h=8 m=11 s=42
